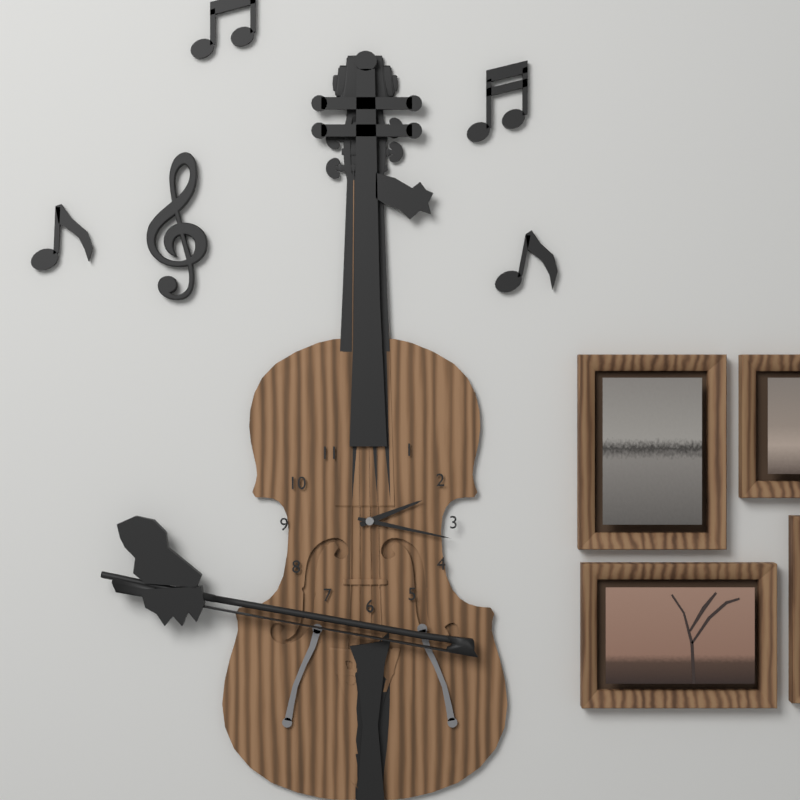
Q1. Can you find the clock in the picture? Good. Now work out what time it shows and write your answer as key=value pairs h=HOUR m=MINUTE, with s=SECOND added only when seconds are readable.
h=2 m=17
